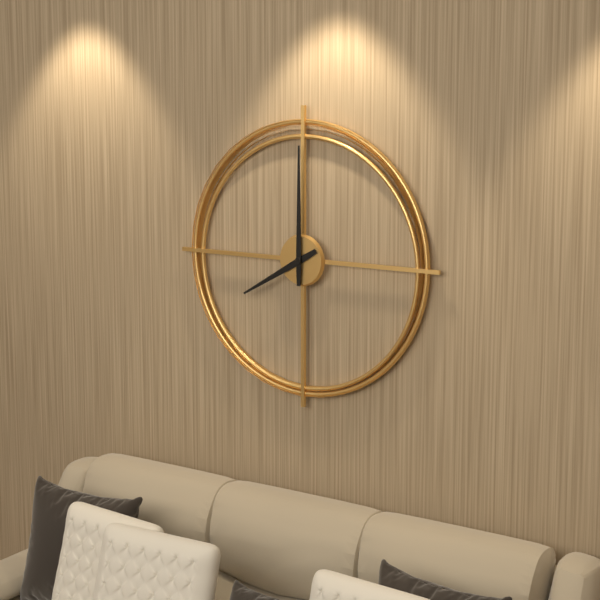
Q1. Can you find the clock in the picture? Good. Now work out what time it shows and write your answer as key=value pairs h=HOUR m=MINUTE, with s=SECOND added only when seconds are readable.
h=8 m=0
